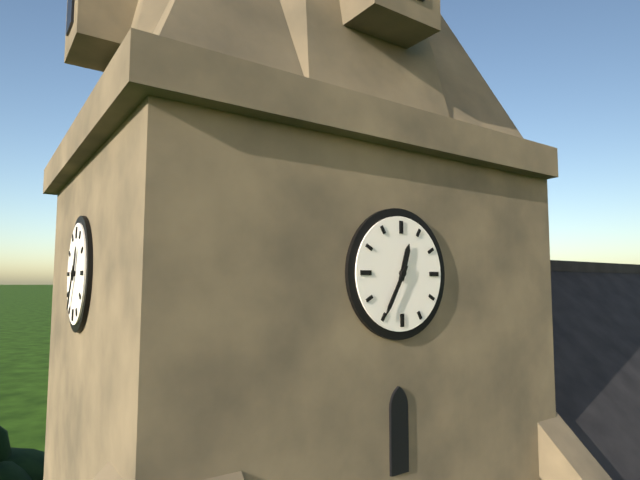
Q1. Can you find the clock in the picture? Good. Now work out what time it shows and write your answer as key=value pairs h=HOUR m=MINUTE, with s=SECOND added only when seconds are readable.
h=12 m=35
